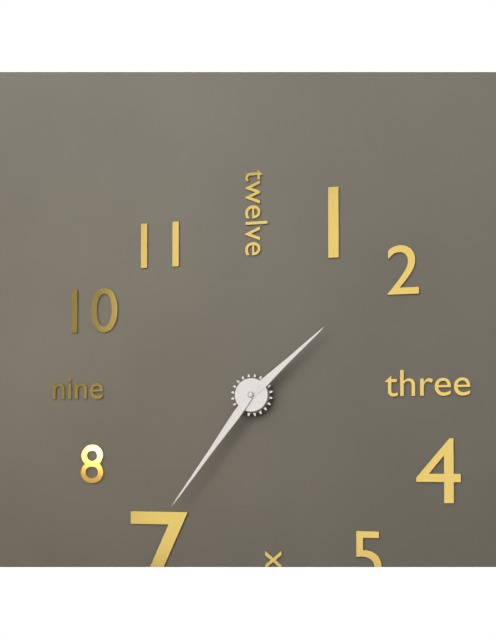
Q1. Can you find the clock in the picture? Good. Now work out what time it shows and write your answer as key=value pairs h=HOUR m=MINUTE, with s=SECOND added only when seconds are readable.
h=1 m=36
